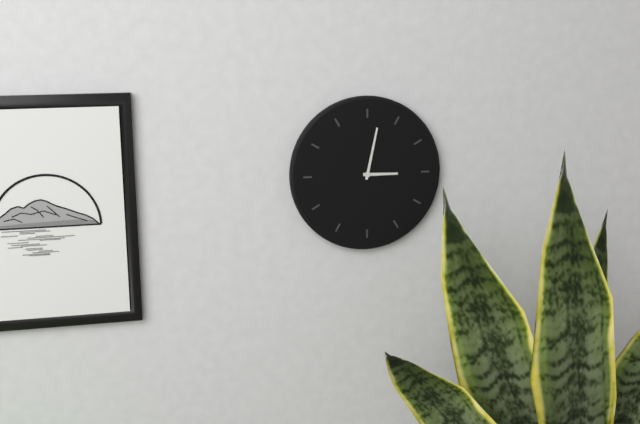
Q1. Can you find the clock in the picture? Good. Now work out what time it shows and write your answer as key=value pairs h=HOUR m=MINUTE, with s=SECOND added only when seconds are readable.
h=3 m=2
